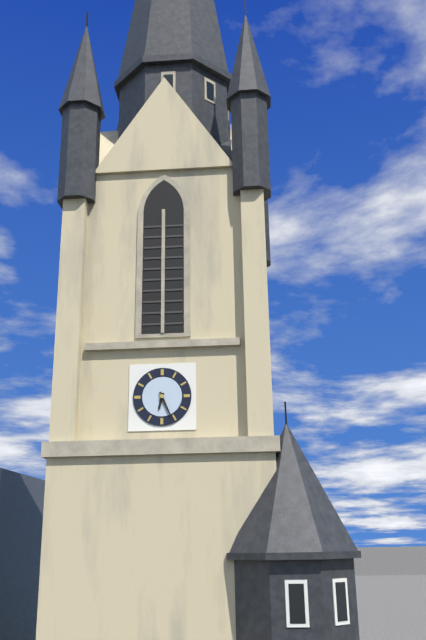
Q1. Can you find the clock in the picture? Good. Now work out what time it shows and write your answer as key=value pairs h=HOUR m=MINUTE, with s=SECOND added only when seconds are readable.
h=6 m=26
